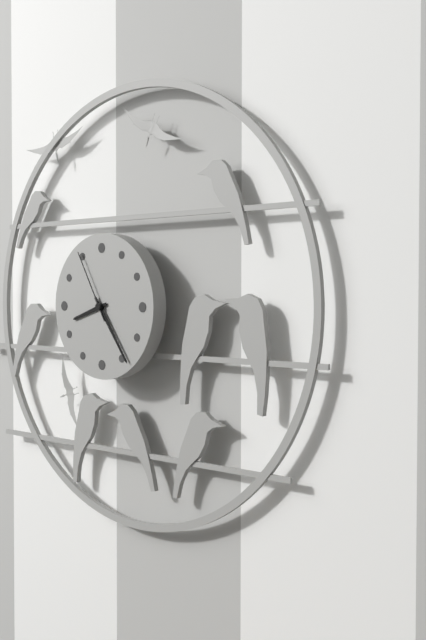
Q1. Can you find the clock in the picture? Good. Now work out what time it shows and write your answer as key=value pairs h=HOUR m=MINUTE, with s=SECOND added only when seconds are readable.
h=8 m=24 s=55
